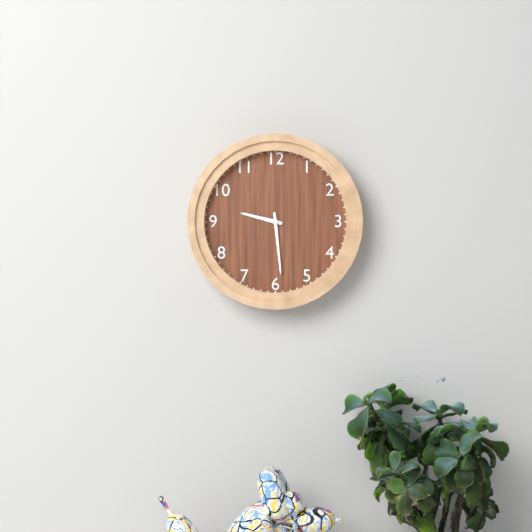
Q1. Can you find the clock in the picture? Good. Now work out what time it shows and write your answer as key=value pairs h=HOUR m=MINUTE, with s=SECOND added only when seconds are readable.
h=9 m=29
